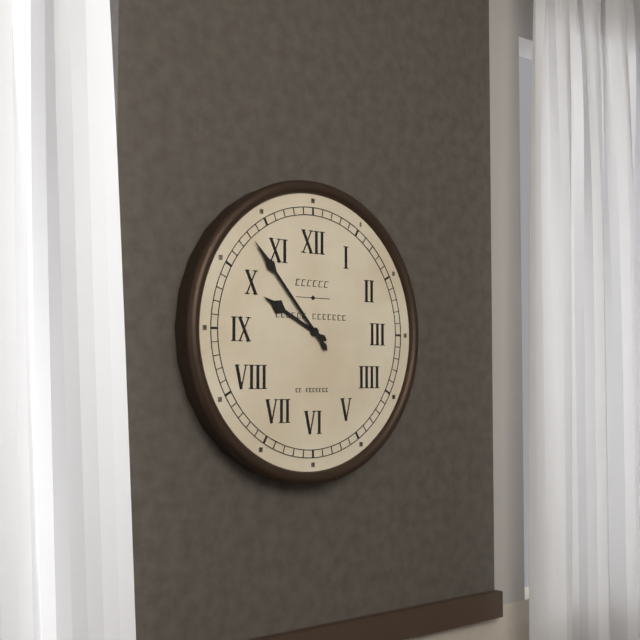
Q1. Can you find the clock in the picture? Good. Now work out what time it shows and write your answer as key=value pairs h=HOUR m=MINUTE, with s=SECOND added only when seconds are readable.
h=9 m=53
